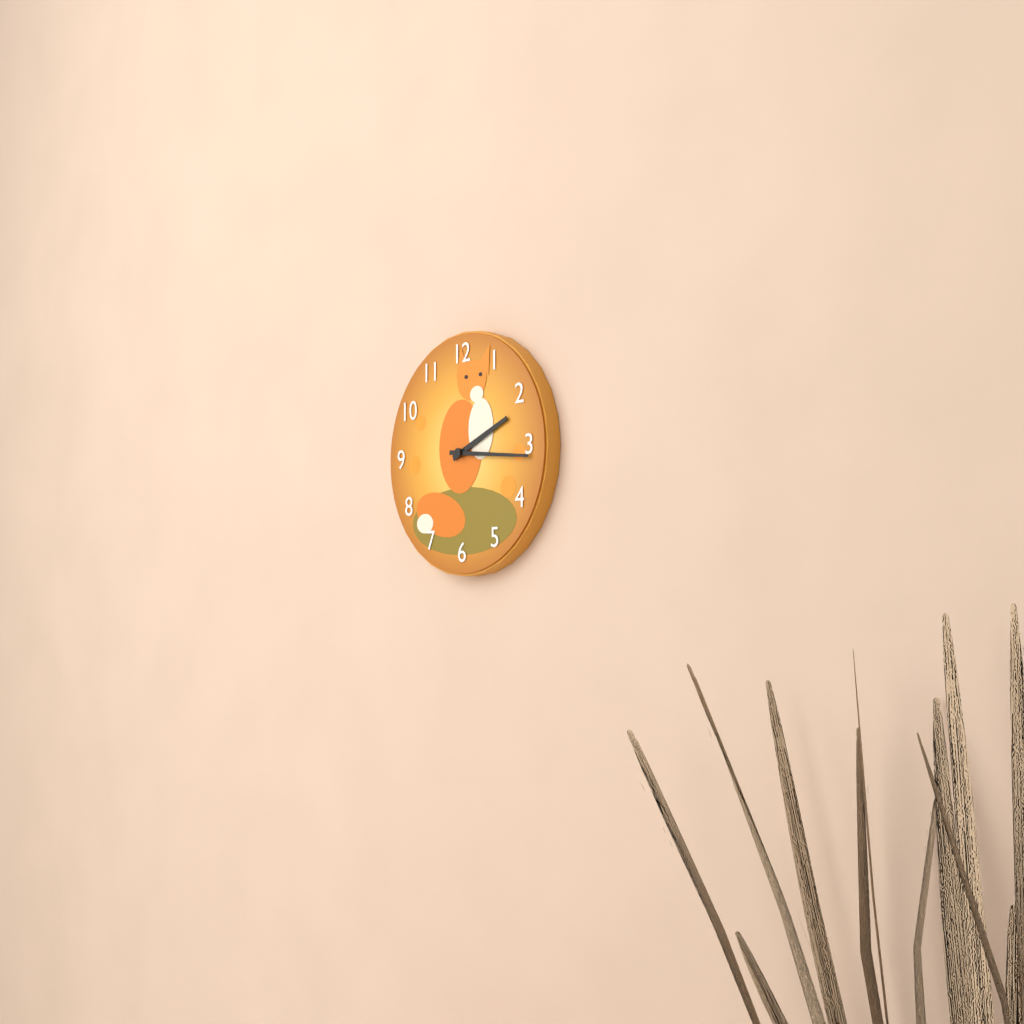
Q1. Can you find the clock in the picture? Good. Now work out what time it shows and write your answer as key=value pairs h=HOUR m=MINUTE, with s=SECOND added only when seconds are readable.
h=2 m=16
